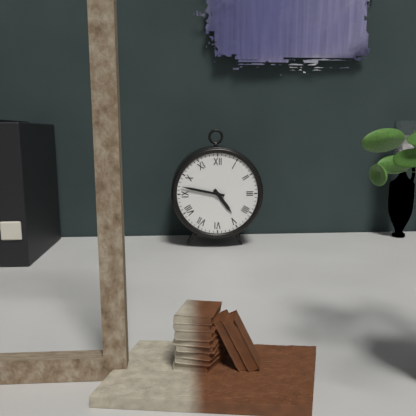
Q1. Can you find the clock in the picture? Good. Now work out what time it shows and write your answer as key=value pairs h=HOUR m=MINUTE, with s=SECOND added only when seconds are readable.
h=4 m=47
